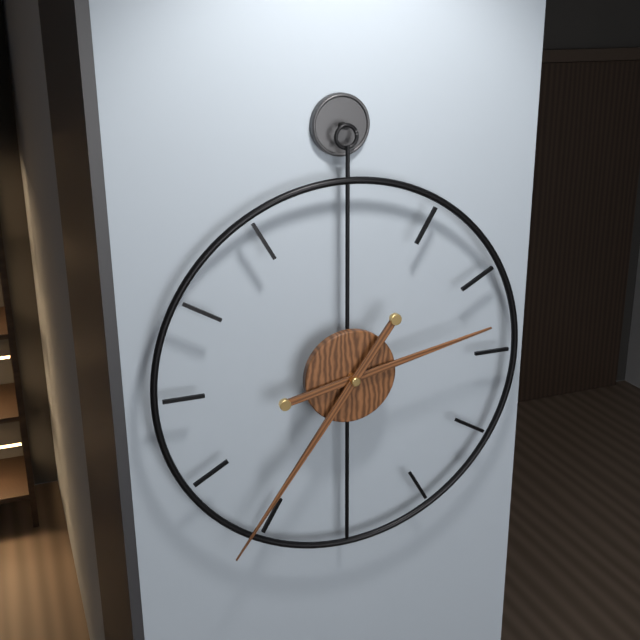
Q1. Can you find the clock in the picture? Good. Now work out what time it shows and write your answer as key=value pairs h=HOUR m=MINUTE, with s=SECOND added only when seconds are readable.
h=2 m=36
